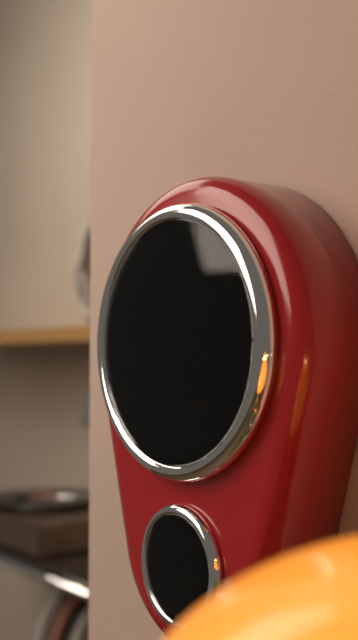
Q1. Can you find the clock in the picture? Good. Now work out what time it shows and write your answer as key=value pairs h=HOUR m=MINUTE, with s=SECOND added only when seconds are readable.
h=11 m=23 s=18
